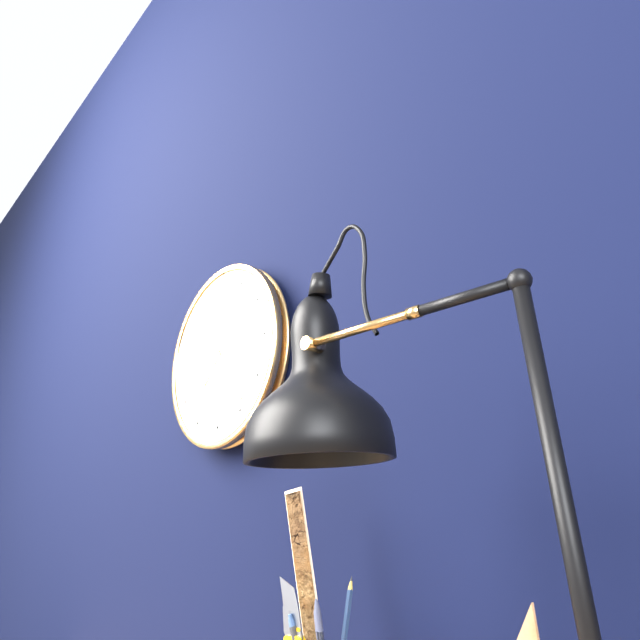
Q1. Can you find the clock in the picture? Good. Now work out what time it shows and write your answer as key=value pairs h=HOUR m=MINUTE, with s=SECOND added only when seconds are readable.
h=7 m=24
